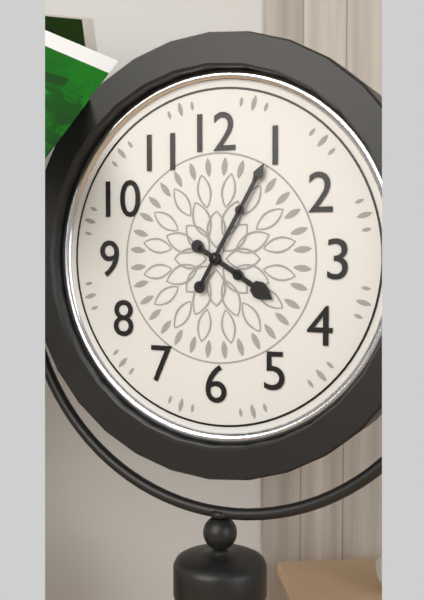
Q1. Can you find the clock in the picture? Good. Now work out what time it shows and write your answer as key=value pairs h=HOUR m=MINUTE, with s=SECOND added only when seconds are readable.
h=4 m=5
